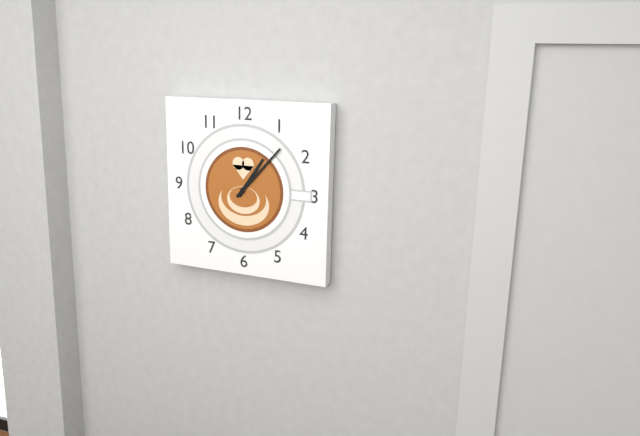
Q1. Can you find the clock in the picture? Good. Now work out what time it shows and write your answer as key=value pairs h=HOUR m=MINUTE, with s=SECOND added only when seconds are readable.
h=1 m=7
